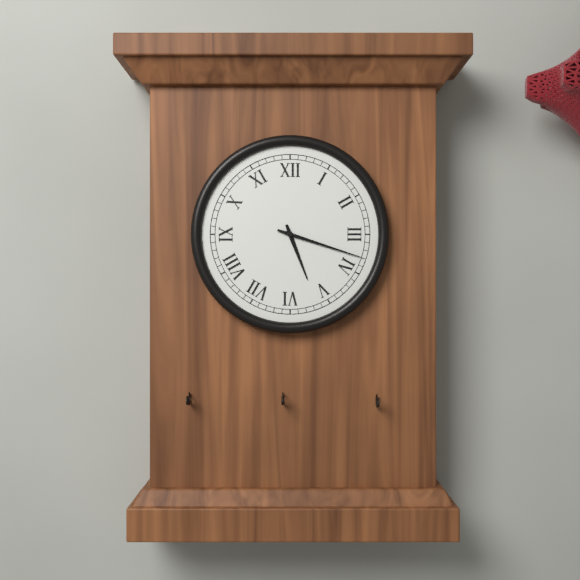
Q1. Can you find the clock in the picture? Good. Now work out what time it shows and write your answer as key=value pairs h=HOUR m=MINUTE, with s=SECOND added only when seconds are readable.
h=5 m=18
